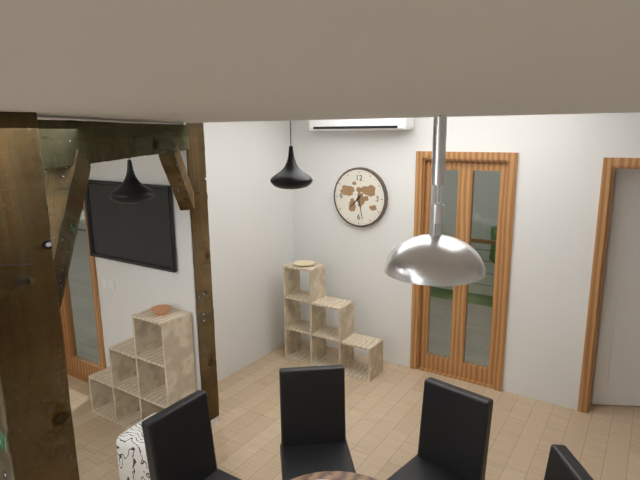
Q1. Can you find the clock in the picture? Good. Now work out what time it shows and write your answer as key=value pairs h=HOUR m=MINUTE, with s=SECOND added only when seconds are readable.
h=7 m=28
